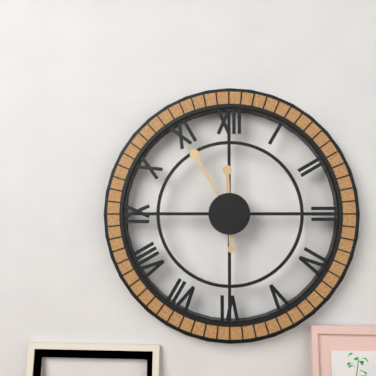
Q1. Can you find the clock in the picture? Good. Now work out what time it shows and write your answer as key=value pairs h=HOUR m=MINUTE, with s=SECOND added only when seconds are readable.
h=11 m=55
